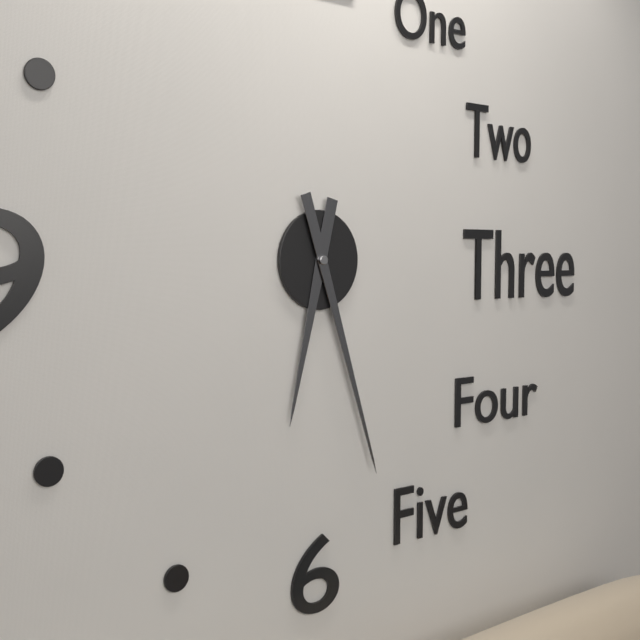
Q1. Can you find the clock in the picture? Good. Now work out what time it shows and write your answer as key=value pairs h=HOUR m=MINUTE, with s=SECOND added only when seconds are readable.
h=6 m=27
